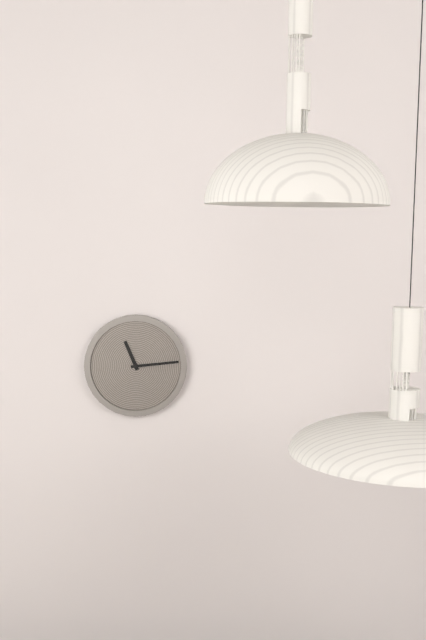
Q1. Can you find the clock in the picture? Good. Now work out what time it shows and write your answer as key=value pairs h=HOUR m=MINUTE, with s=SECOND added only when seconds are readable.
h=11 m=14
